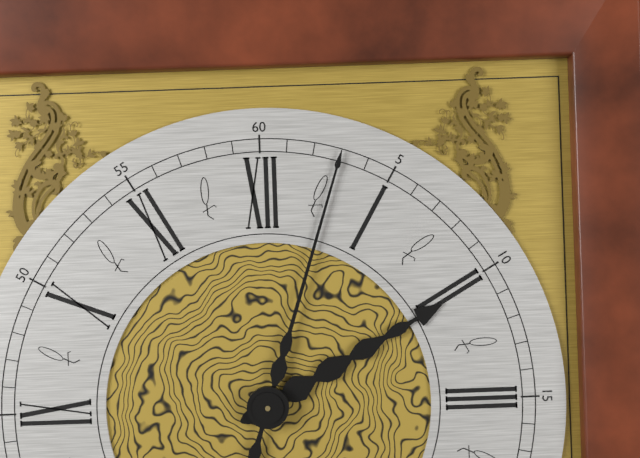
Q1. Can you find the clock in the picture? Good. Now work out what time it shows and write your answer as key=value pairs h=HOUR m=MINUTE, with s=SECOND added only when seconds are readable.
h=2 m=3
